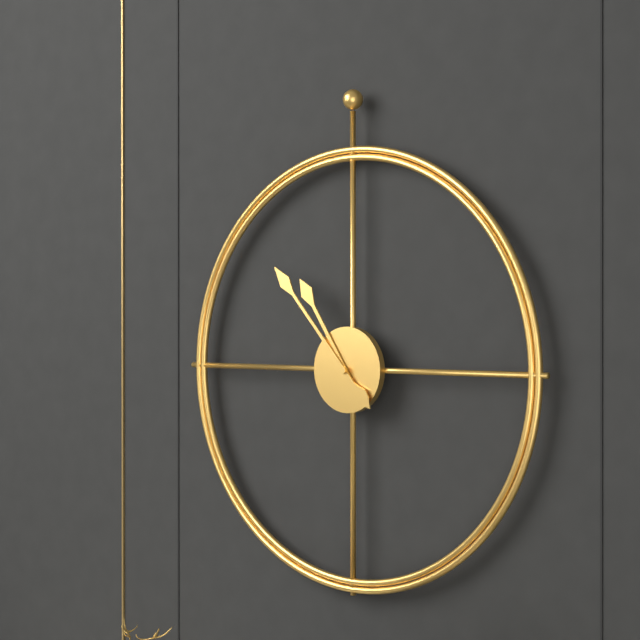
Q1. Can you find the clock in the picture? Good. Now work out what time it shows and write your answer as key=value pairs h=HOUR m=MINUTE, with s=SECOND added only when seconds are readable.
h=10 m=53
